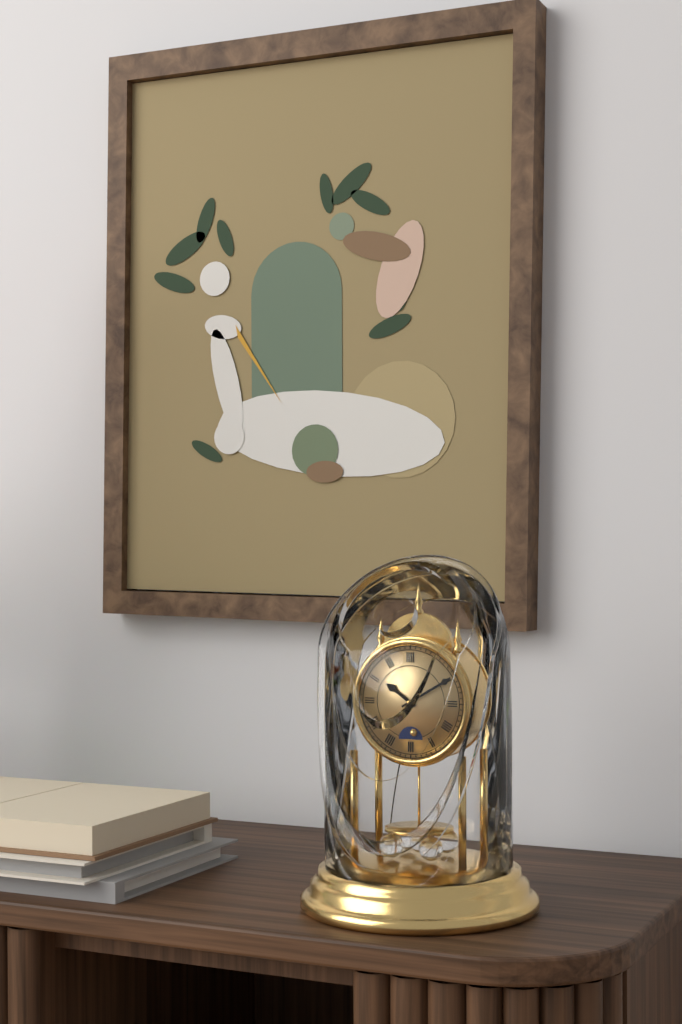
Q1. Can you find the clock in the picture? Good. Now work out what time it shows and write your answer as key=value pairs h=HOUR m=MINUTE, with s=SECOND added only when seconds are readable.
h=10 m=10
